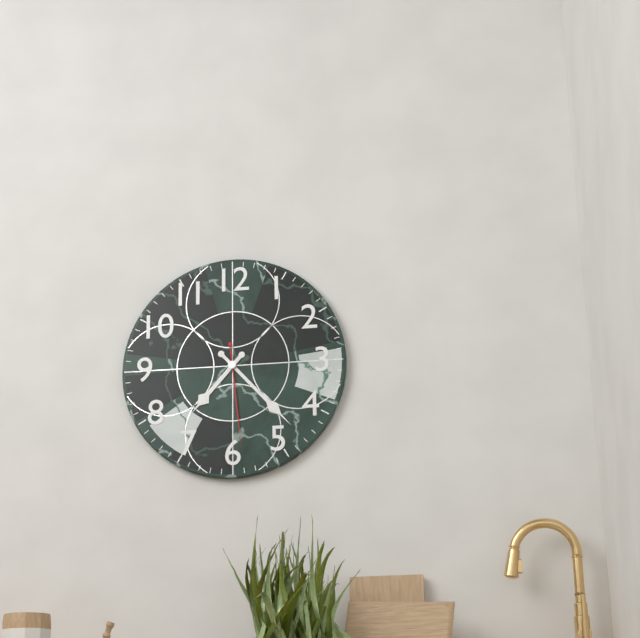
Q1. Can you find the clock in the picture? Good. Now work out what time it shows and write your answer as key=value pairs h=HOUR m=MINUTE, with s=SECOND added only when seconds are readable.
h=7 m=23 s=29
